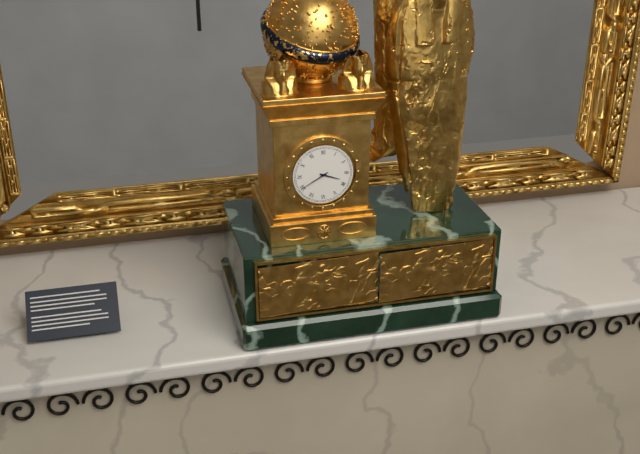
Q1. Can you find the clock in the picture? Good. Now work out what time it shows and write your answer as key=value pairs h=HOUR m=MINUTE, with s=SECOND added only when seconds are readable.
h=3 m=40
